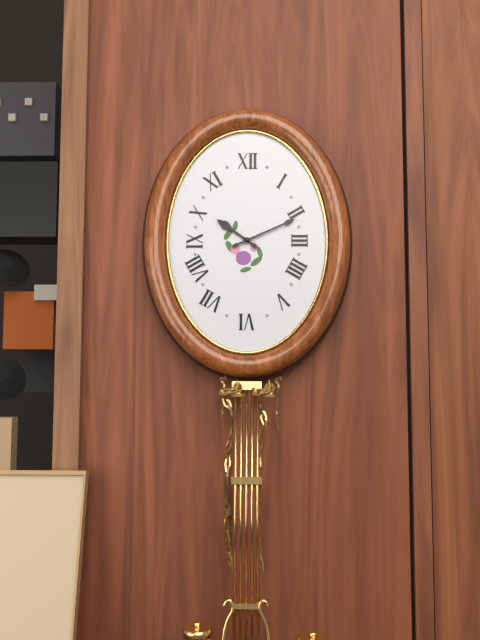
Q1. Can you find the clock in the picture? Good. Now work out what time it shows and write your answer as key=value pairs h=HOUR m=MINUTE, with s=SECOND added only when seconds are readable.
h=10 m=11
